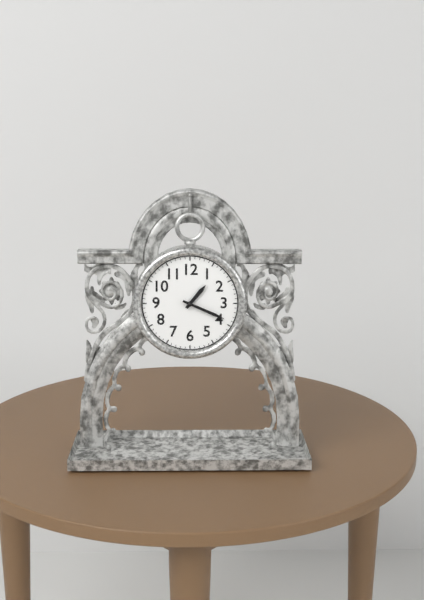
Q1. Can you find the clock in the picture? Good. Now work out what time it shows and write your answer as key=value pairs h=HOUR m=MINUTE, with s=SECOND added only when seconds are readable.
h=1 m=19
